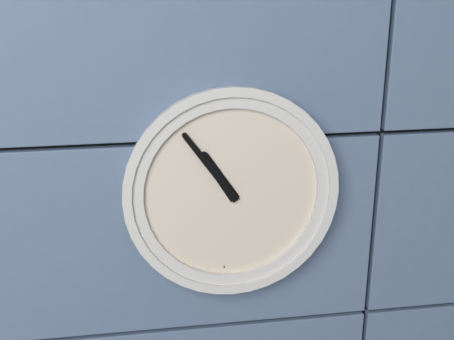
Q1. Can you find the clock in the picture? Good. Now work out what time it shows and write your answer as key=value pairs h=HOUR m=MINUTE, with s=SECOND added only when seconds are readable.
h=10 m=54
